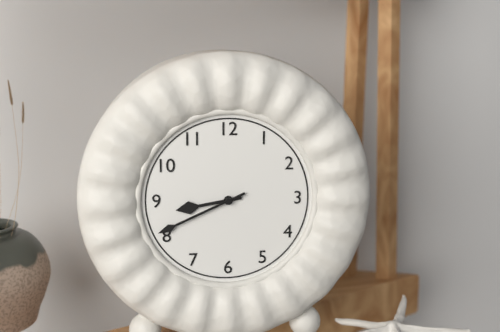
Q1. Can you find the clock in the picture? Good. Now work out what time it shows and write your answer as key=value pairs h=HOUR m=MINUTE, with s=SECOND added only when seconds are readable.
h=8 m=41
